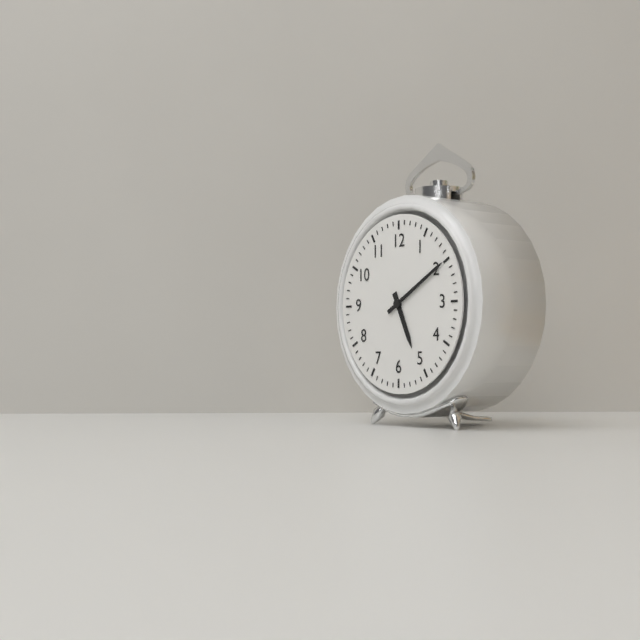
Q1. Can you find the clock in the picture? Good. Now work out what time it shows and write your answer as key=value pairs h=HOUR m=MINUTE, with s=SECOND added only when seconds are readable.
h=5 m=10
